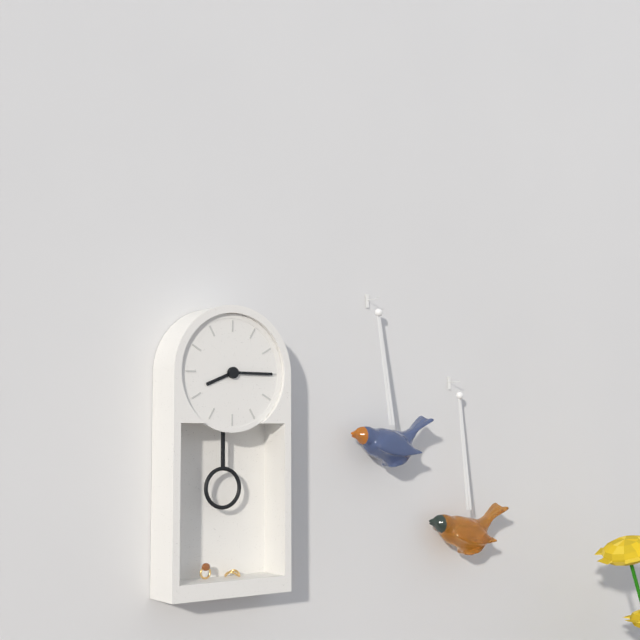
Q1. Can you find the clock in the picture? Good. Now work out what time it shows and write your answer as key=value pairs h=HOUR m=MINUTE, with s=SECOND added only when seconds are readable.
h=8 m=15
